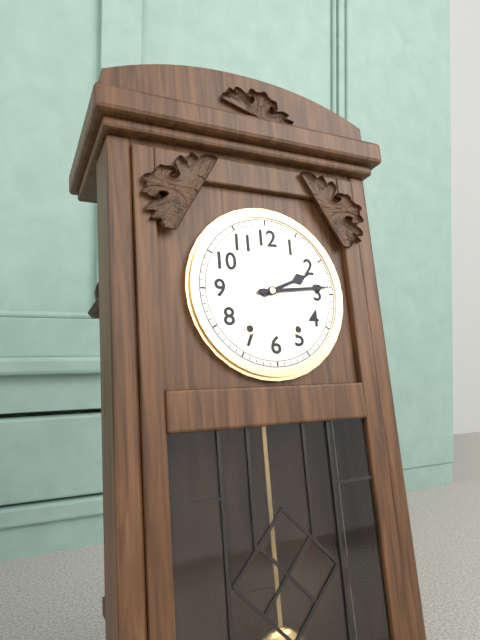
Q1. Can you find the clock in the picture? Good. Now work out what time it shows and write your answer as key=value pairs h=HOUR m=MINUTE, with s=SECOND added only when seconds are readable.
h=2 m=14
